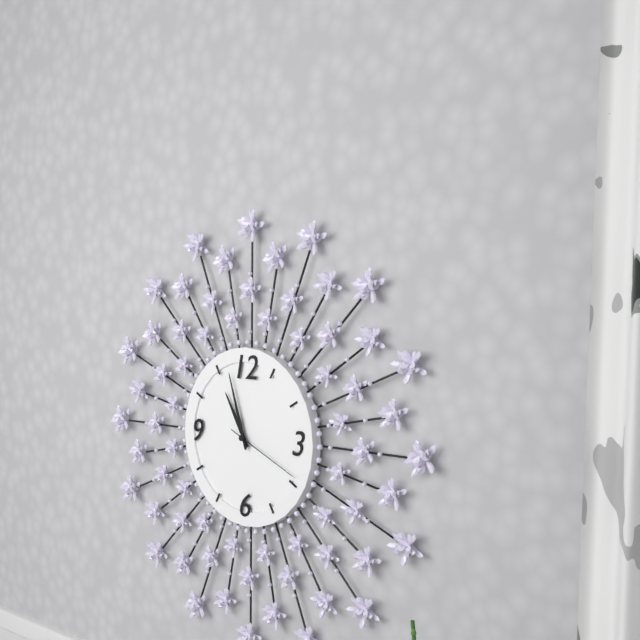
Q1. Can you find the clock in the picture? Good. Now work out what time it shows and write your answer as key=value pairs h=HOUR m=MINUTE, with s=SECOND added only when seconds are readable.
h=10 m=57 s=19
